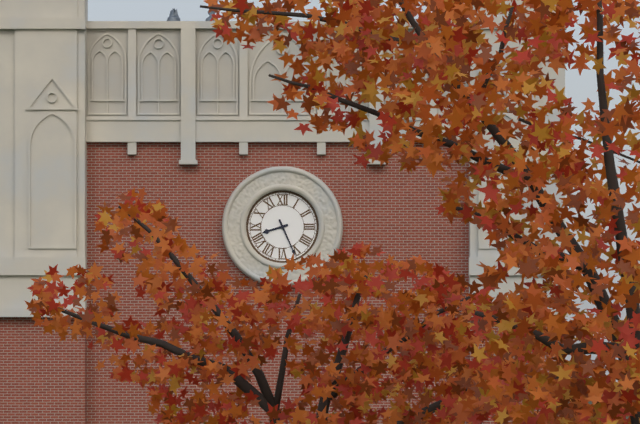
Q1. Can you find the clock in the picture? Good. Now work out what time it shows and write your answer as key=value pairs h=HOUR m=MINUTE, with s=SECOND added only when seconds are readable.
h=8 m=26
